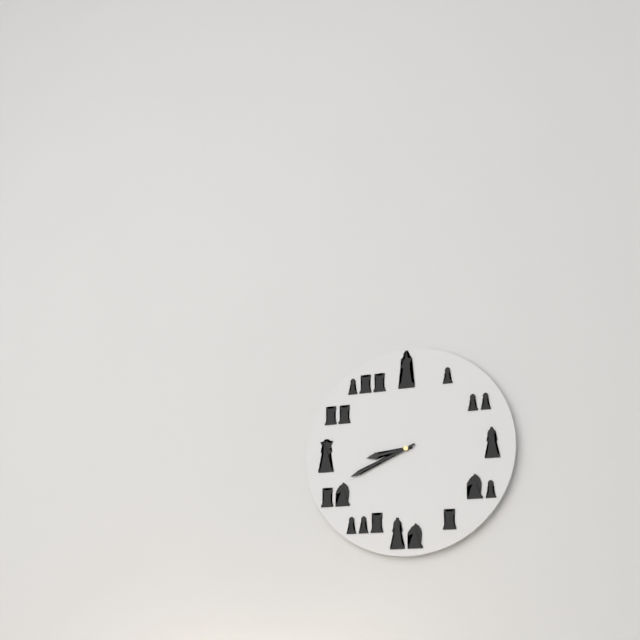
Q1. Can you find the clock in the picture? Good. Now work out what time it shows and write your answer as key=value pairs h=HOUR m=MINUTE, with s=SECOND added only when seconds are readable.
h=8 m=41
